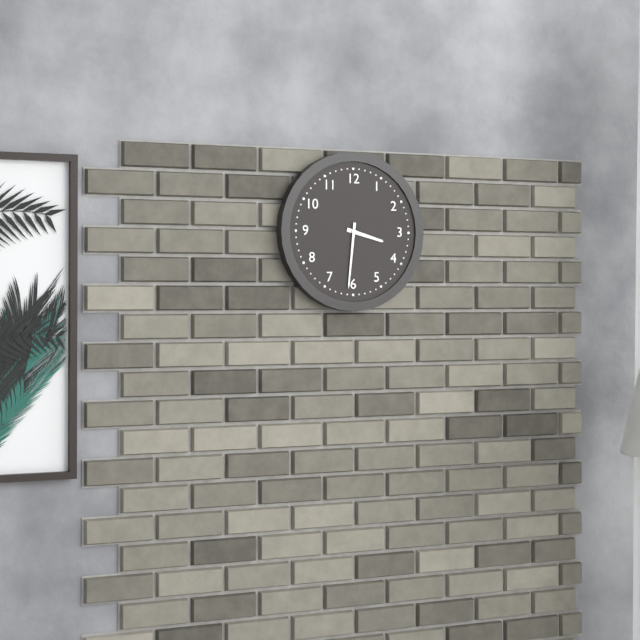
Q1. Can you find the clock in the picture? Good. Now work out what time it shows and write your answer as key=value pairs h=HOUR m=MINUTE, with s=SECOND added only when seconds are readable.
h=3 m=31
